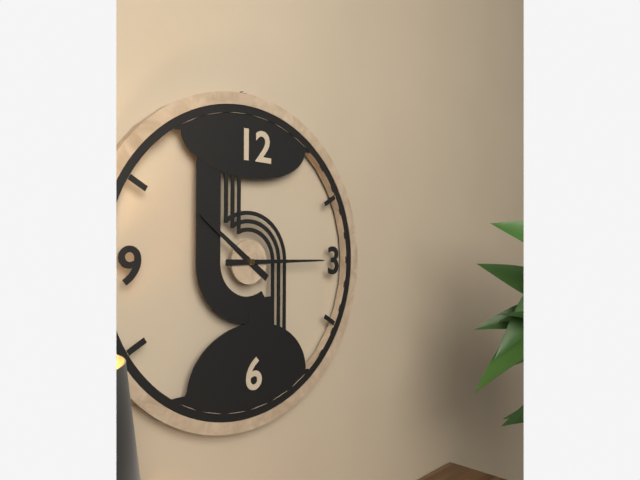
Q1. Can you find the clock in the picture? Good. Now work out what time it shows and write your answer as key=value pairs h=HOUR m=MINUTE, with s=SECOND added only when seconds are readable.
h=10 m=15
